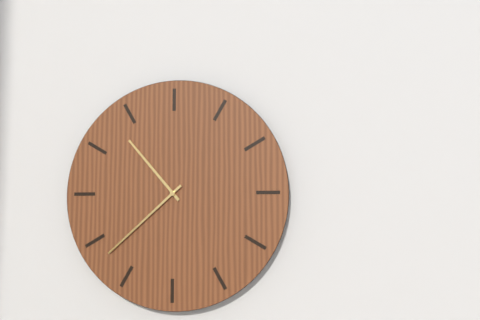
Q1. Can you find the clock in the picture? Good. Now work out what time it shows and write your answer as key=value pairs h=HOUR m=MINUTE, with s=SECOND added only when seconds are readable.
h=10 m=38
